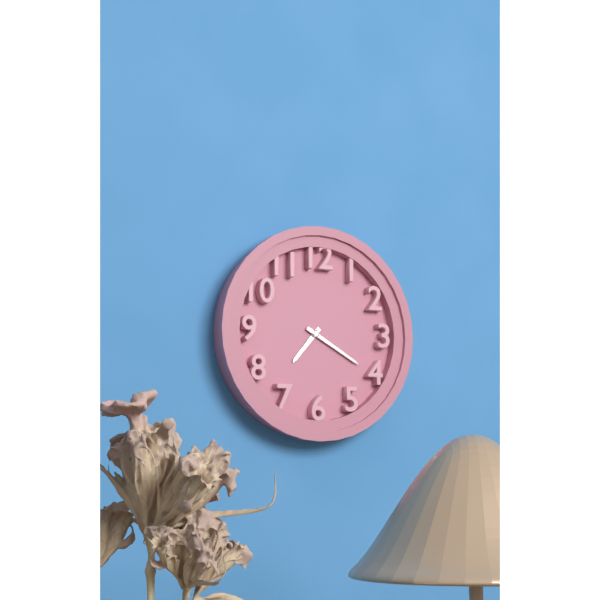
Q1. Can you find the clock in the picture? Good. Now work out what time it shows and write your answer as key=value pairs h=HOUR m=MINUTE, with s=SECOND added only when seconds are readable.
h=7 m=20
